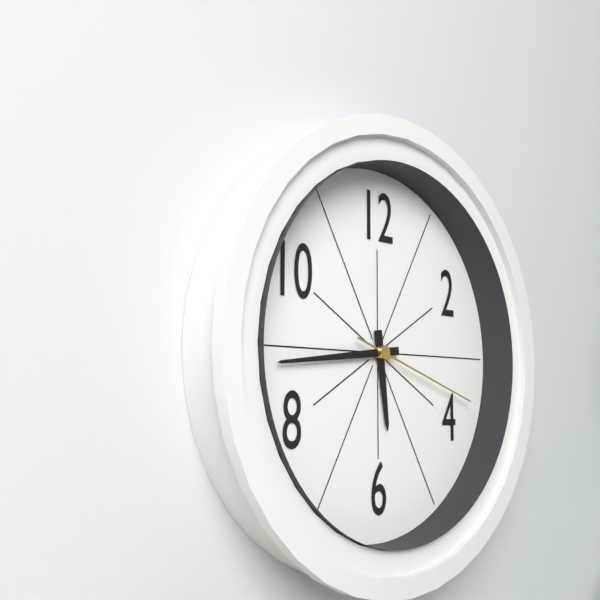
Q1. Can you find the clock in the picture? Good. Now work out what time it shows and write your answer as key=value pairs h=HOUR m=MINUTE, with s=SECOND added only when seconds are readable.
h=5 m=44 s=18
